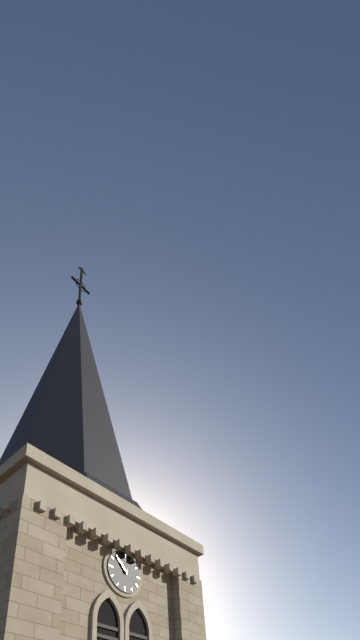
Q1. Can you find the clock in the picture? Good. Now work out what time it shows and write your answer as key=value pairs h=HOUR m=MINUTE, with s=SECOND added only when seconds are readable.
h=10 m=53
